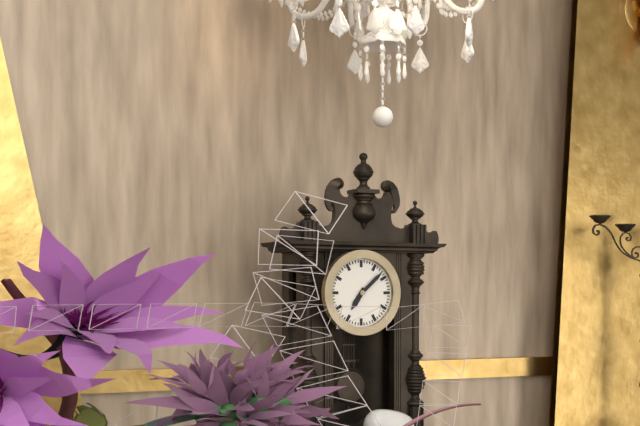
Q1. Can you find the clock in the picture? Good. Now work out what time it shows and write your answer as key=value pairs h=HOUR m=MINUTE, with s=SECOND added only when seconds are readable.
h=7 m=8
